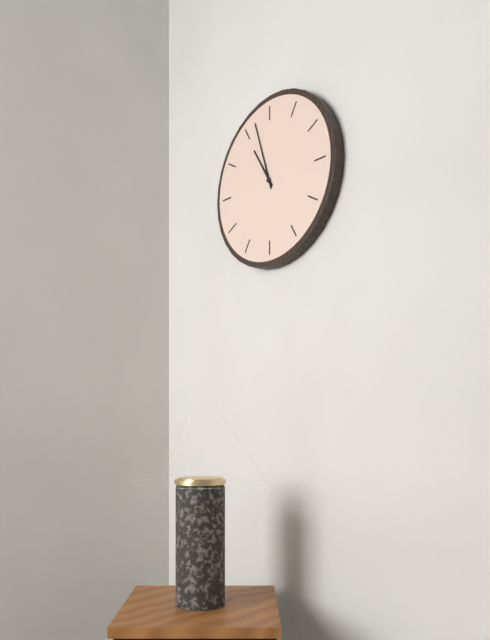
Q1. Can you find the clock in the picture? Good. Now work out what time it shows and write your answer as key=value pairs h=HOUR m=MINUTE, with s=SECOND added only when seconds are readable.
h=10 m=57
